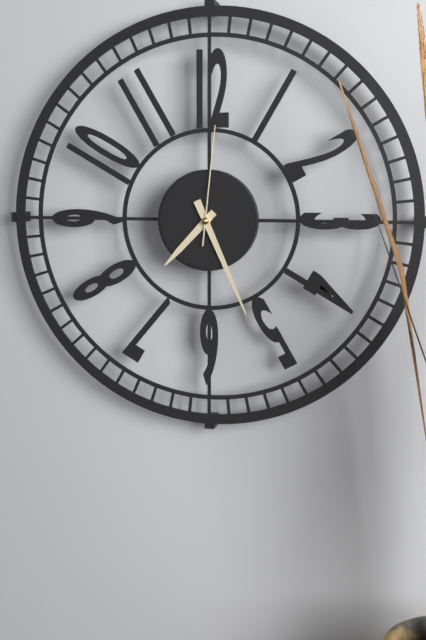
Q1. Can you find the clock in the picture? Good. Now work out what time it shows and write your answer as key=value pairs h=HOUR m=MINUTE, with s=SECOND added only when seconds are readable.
h=7 m=26 s=1
